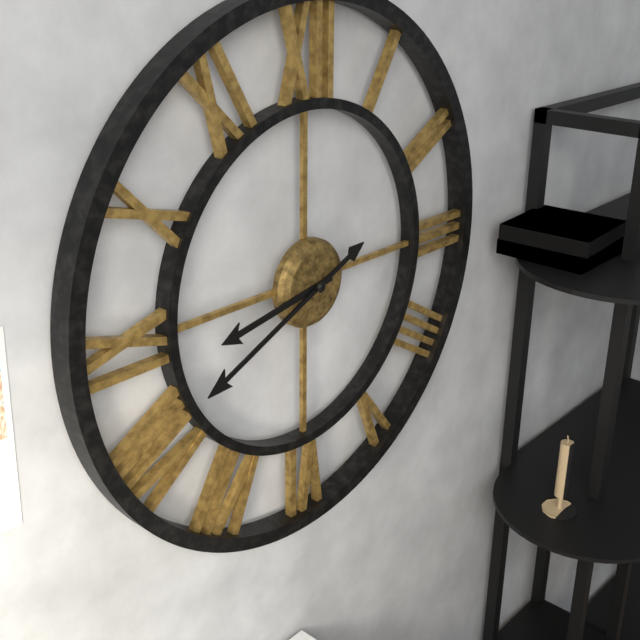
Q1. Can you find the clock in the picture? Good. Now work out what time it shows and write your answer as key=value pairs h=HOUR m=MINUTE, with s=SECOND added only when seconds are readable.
h=8 m=41
